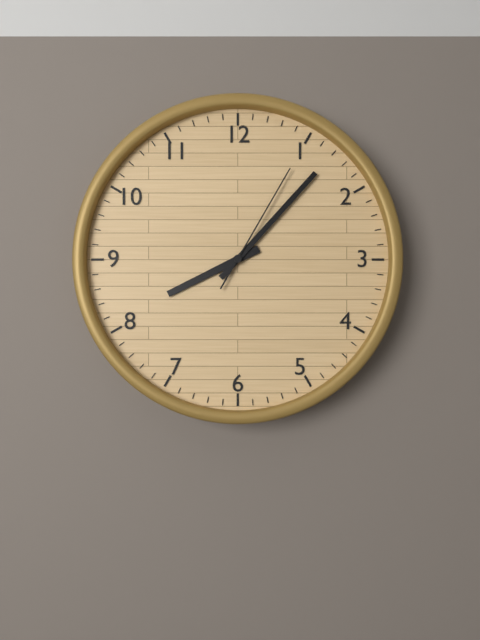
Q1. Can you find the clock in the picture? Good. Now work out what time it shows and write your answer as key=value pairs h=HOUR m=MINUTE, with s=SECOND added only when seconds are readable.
h=8 m=7 s=5
